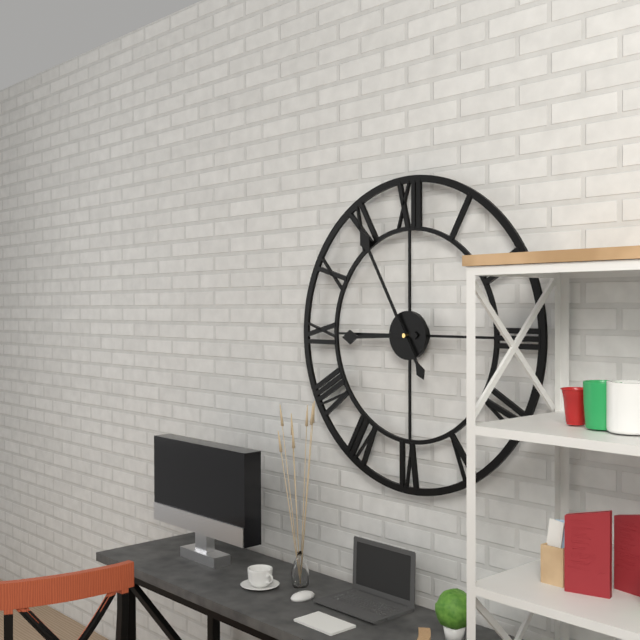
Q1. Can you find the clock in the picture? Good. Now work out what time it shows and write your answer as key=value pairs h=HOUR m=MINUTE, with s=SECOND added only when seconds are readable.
h=8 m=55
